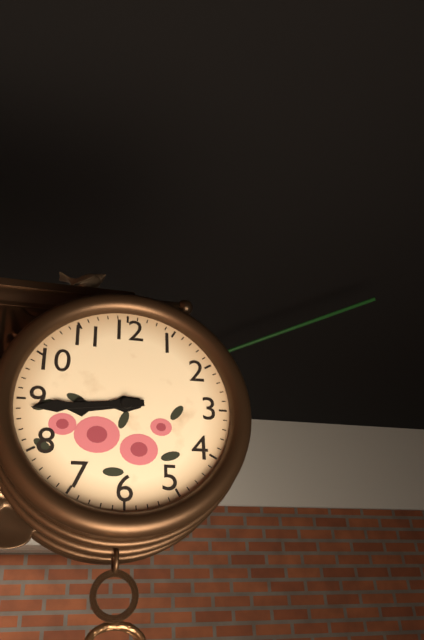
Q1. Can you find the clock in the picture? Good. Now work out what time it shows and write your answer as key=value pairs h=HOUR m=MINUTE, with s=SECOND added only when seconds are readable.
h=8 m=44
